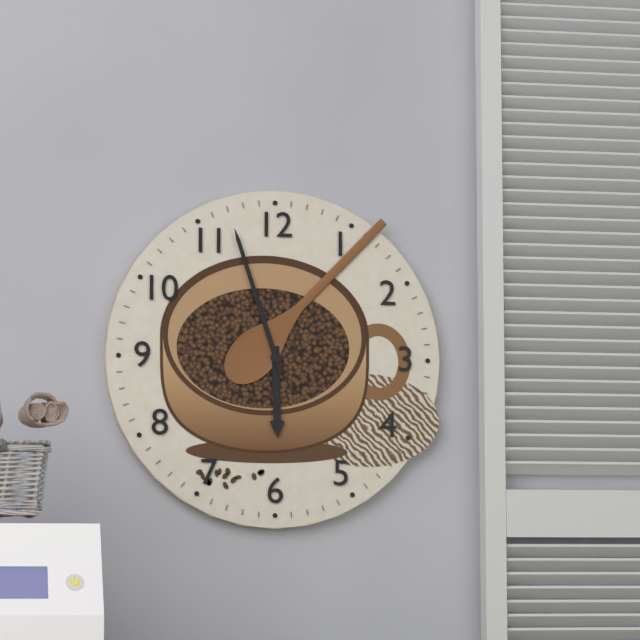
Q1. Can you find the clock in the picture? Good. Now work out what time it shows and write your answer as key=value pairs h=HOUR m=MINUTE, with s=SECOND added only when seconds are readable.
h=5 m=57
